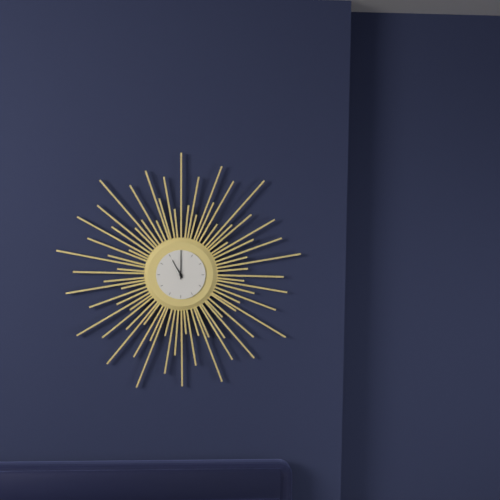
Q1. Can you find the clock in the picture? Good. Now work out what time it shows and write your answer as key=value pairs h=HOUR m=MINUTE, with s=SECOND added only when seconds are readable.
h=11 m=0
